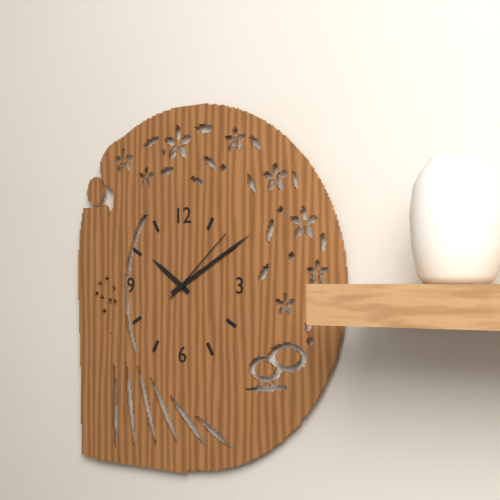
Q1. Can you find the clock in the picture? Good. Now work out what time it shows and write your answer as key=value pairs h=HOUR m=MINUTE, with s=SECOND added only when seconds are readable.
h=10 m=10 s=8
